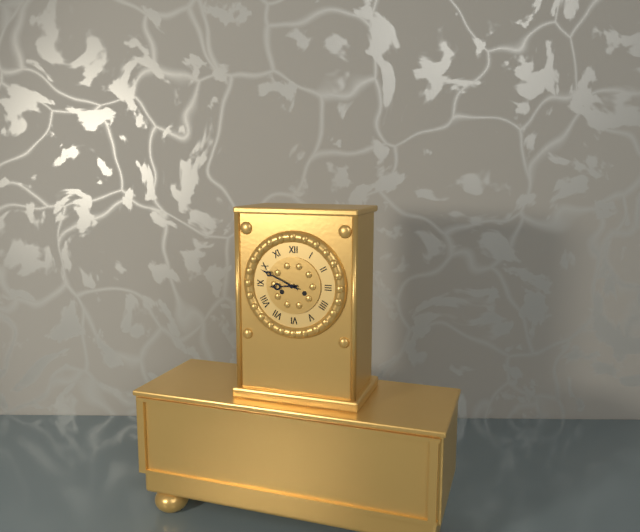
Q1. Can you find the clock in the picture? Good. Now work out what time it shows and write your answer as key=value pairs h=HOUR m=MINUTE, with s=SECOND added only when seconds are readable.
h=8 m=49
